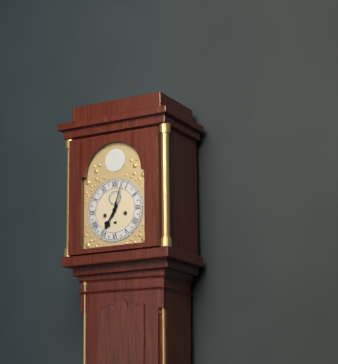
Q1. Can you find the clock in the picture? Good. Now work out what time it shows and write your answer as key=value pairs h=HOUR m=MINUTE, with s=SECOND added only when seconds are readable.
h=7 m=3
